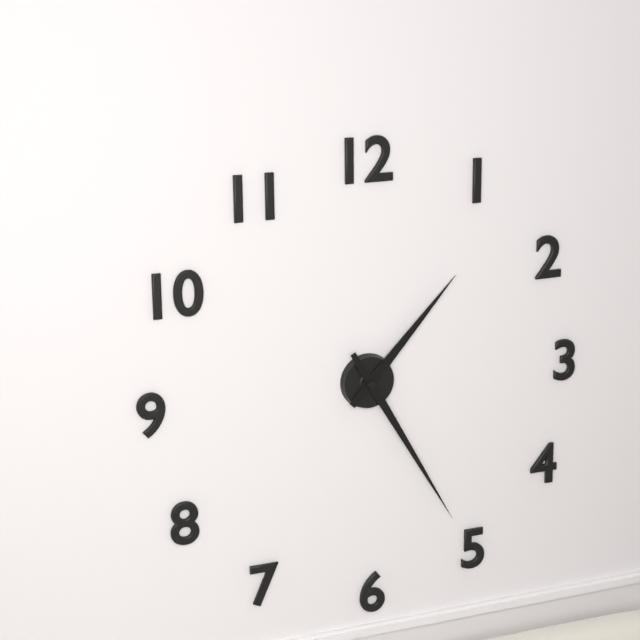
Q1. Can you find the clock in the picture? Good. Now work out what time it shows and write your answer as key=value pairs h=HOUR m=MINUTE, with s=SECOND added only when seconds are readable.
h=1 m=25
